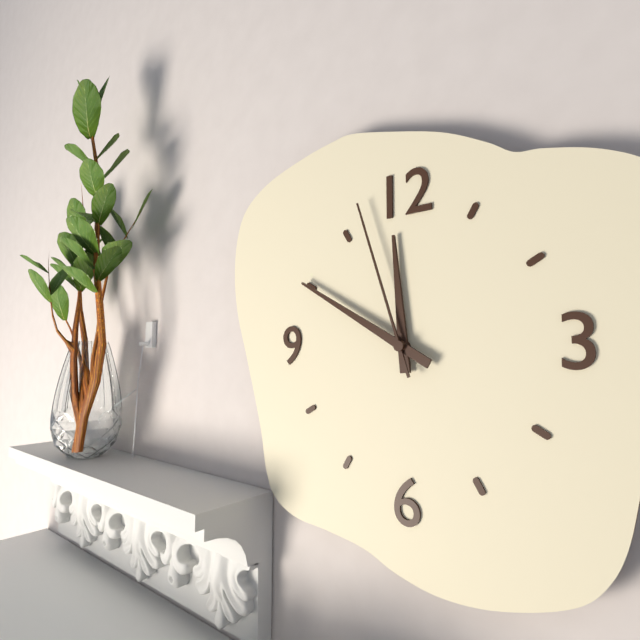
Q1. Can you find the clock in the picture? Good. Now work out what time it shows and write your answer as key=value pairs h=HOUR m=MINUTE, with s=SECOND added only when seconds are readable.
h=11 m=50 s=57
